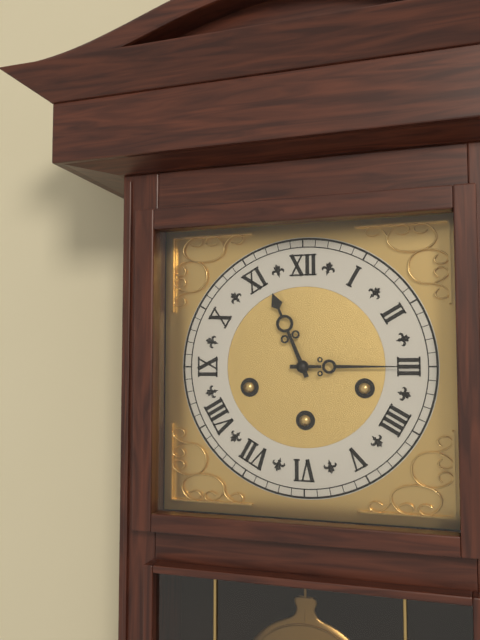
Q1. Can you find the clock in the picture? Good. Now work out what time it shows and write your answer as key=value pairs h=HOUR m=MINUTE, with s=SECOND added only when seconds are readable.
h=11 m=15
